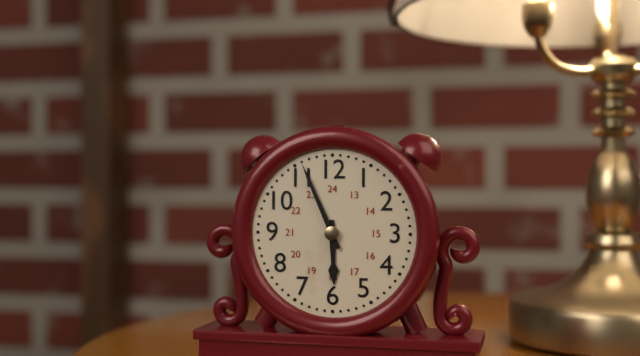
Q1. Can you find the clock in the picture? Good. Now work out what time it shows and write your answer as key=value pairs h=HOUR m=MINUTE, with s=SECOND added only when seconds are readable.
h=5 m=56
